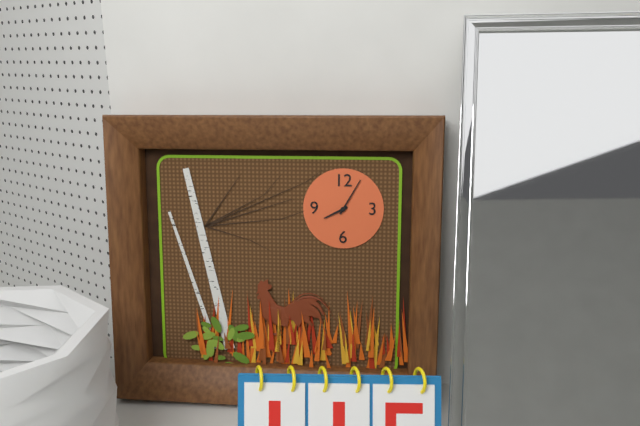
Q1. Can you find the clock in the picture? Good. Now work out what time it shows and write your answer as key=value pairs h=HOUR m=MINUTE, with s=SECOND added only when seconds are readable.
h=8 m=5
